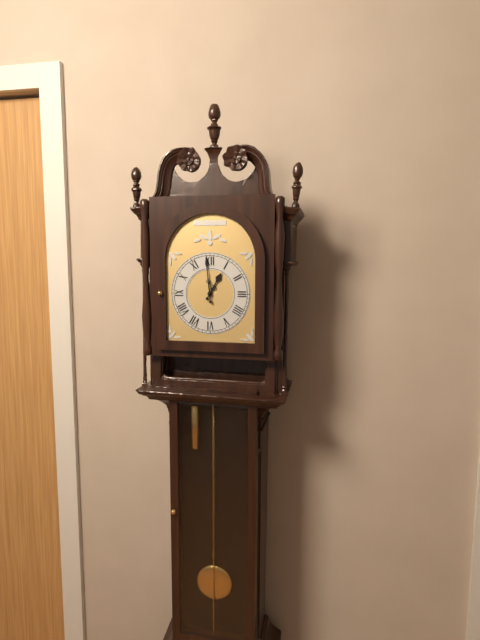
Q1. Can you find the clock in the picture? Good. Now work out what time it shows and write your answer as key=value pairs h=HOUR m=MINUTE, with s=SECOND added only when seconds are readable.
h=12 m=59
